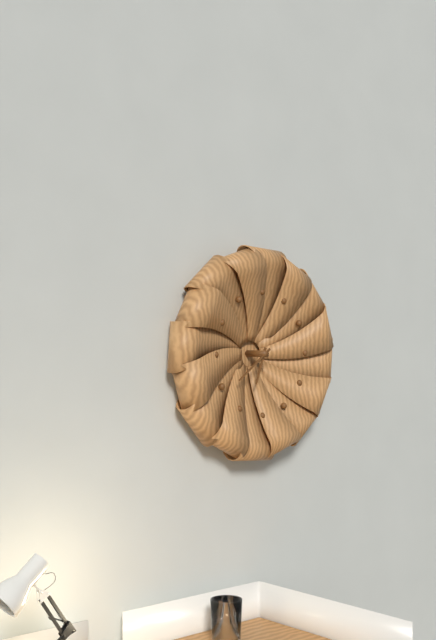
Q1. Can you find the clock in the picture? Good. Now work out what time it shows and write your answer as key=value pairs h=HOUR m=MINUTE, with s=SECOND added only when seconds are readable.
h=6 m=39
